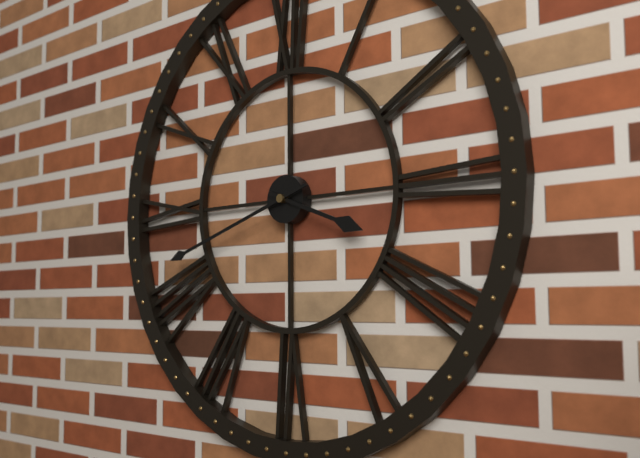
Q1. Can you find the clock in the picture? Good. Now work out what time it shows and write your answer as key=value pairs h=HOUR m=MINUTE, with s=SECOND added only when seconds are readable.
h=3 m=42
